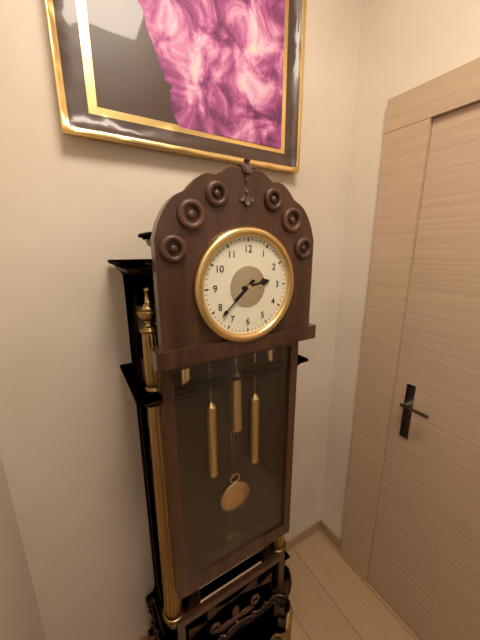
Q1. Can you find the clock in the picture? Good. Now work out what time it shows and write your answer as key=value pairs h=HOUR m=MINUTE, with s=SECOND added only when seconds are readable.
h=2 m=38
